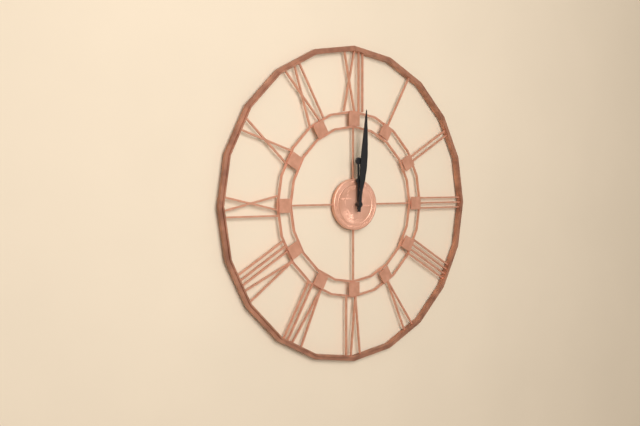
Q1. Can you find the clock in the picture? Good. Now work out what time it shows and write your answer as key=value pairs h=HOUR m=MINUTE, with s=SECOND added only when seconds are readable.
h=12 m=1
